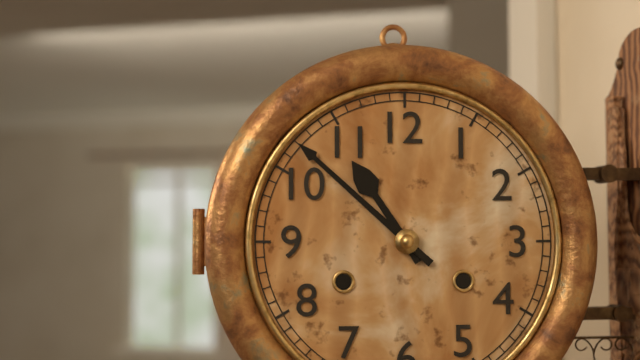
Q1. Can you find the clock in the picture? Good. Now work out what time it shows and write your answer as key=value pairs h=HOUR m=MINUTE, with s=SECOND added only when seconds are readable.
h=10 m=52
